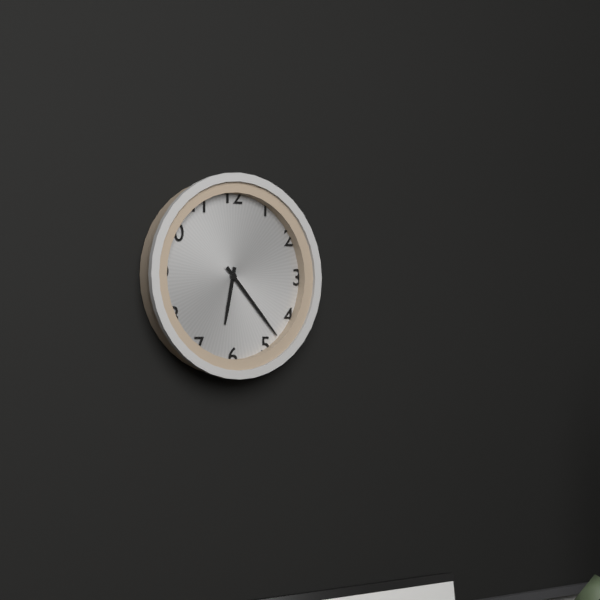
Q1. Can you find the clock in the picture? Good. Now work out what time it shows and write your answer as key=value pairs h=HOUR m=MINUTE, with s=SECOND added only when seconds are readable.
h=6 m=23
